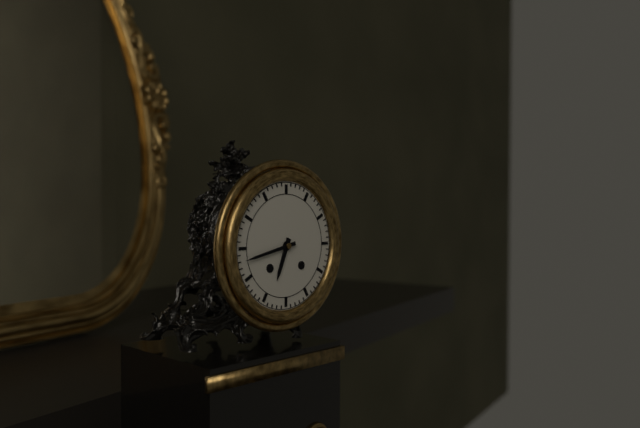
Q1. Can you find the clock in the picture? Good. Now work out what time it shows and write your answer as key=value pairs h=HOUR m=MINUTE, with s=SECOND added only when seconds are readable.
h=6 m=43
